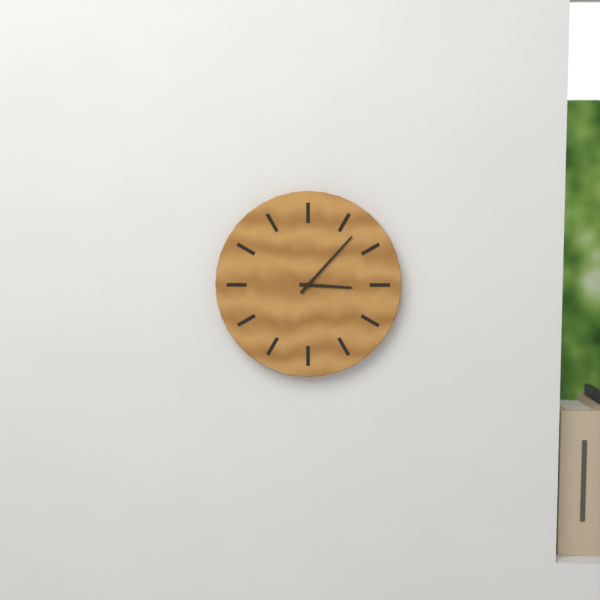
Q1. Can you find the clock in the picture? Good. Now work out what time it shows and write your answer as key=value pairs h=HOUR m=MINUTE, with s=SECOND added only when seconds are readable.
h=3 m=7
